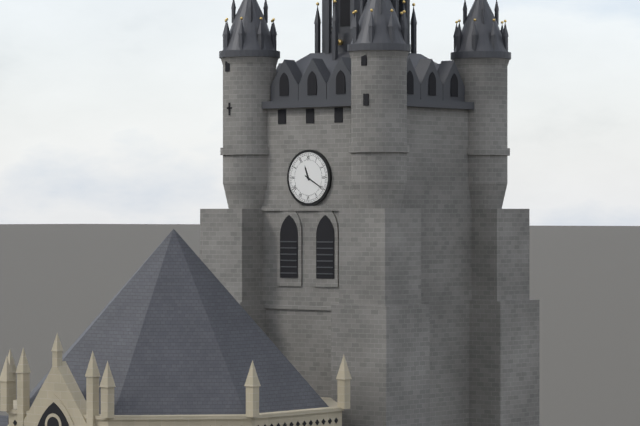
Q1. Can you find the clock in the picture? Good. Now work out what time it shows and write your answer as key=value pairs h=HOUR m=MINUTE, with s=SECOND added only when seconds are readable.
h=11 m=20
